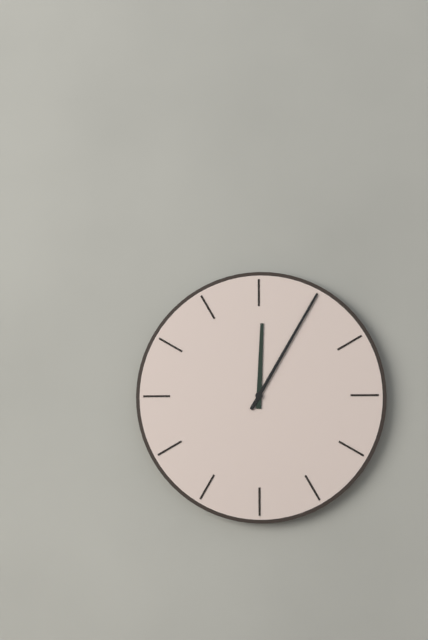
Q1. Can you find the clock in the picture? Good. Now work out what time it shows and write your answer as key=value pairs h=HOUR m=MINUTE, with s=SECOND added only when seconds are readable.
h=12 m=5
